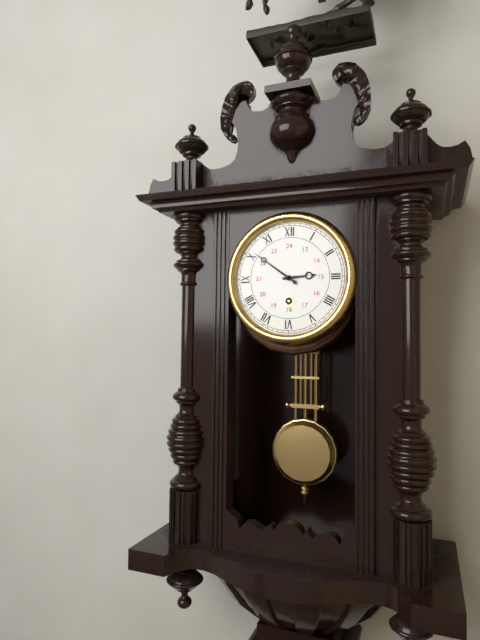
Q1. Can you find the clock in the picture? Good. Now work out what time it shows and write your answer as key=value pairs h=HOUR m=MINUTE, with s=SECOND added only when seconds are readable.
h=2 m=51
